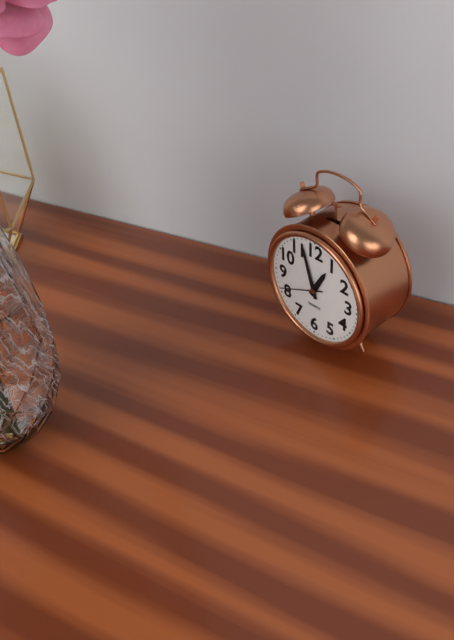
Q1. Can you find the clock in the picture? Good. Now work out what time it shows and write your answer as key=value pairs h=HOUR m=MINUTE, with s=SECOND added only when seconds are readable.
h=12 m=57
